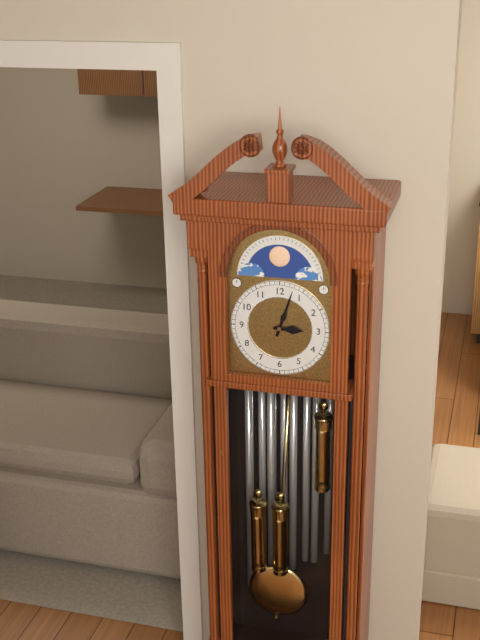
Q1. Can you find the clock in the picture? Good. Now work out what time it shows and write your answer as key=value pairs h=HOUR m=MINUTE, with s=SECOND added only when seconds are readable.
h=3 m=3
